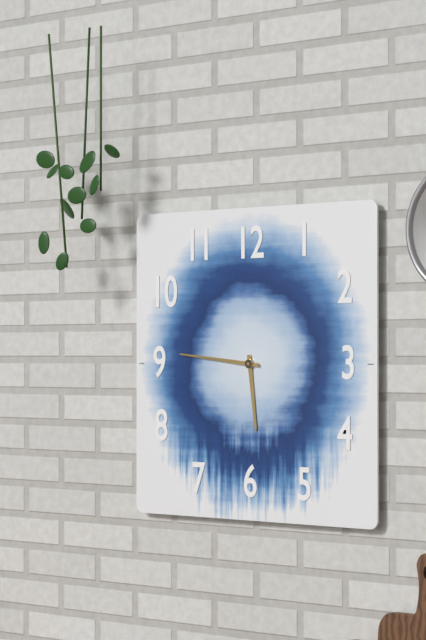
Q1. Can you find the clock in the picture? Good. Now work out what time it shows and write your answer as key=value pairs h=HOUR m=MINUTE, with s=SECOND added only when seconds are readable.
h=5 m=46
